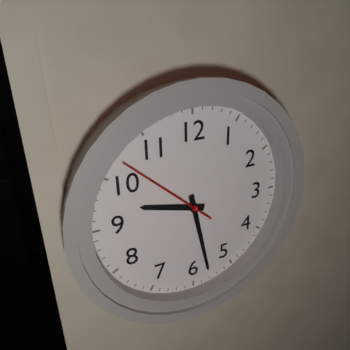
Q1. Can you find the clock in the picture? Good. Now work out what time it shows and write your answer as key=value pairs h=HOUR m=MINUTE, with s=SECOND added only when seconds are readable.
h=9 m=28 s=52
